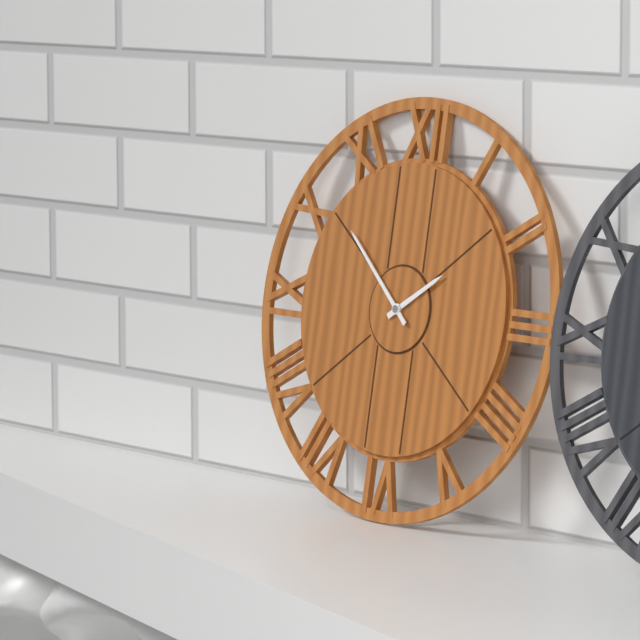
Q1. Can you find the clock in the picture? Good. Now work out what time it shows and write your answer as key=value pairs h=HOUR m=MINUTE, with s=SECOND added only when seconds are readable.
h=1 m=52
